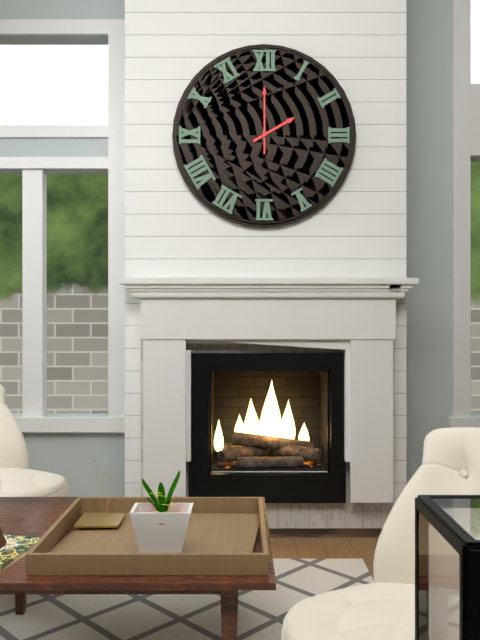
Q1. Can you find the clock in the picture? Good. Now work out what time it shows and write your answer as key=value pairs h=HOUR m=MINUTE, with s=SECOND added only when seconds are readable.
h=2 m=0
